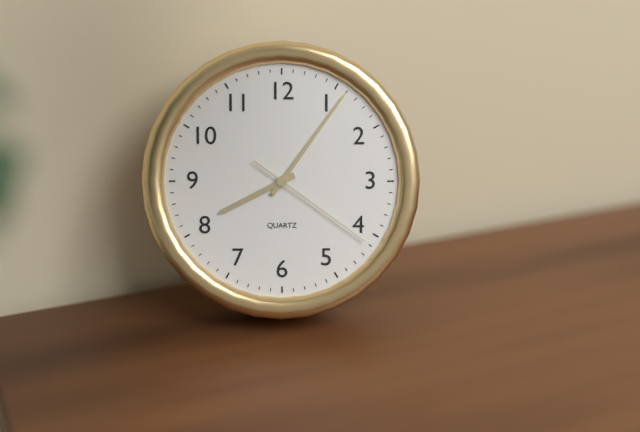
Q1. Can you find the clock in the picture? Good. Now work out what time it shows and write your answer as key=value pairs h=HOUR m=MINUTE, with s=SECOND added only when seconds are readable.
h=8 m=6 s=21
